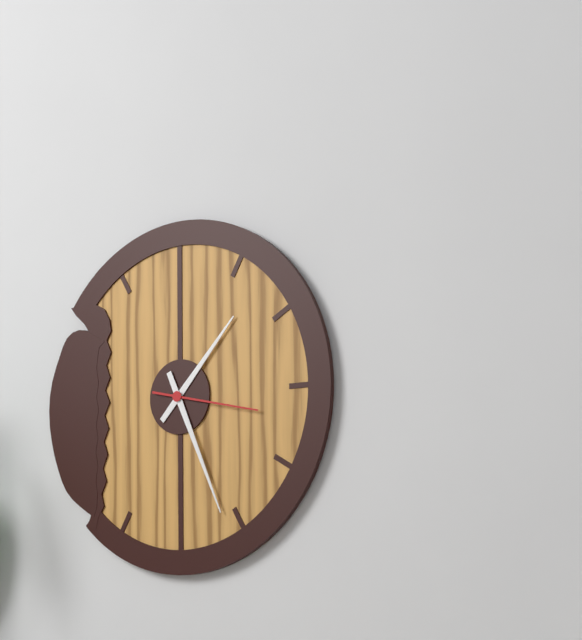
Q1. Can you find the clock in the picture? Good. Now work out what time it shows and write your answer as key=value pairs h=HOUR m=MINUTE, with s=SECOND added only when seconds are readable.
h=1 m=26 s=17
